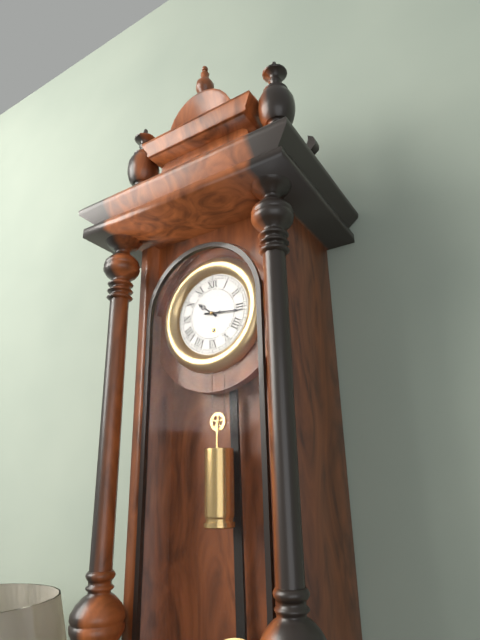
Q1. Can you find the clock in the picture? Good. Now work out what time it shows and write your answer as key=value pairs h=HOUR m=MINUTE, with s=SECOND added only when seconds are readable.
h=10 m=16
